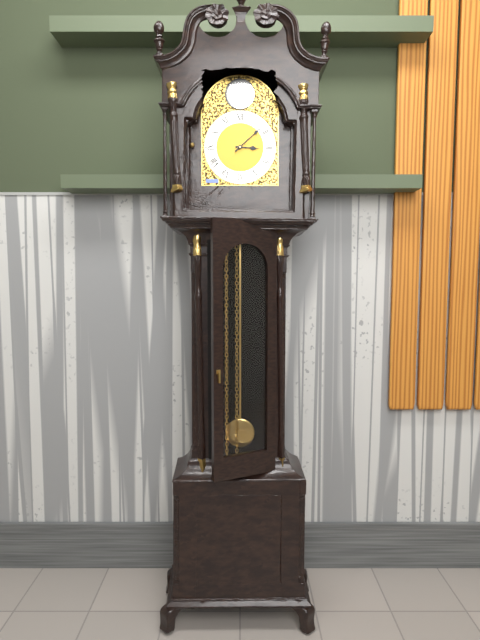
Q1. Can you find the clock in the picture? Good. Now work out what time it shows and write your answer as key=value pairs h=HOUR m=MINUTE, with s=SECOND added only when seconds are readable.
h=3 m=8
